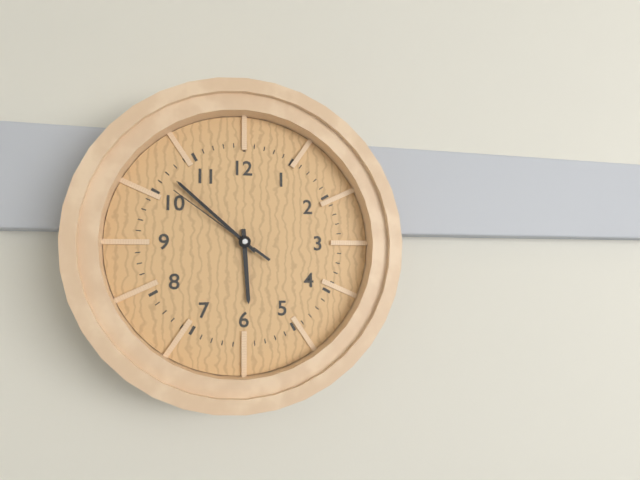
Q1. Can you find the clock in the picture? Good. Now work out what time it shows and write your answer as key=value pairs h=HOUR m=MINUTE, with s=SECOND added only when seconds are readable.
h=5 m=52 s=51
